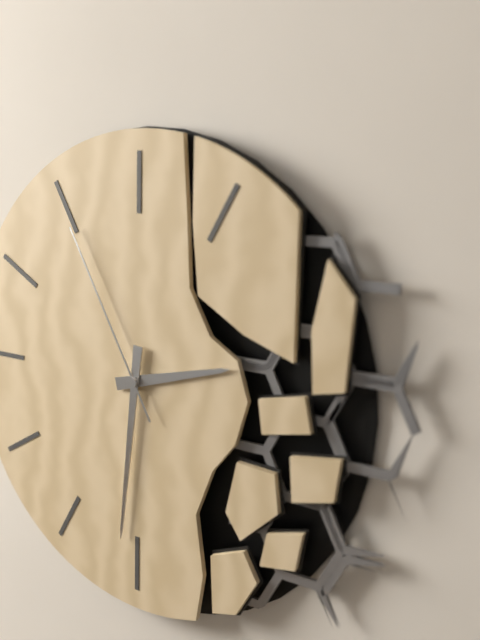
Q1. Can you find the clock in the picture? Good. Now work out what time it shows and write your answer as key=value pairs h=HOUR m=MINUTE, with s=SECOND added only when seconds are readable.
h=2 m=31 s=55
